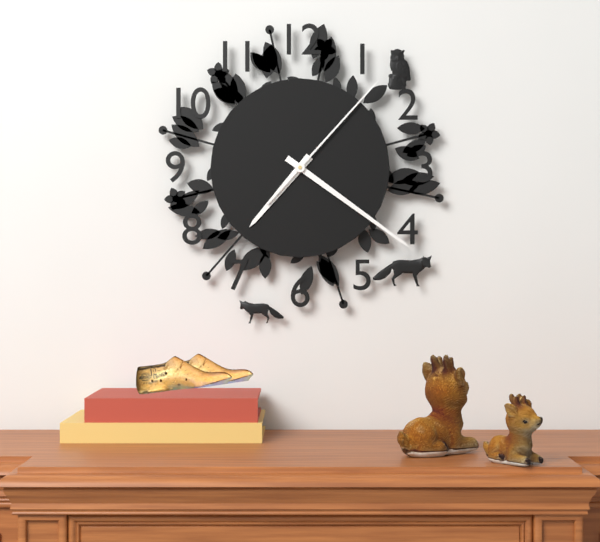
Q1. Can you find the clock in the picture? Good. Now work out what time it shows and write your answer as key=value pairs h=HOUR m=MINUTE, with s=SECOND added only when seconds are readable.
h=7 m=21 s=7
